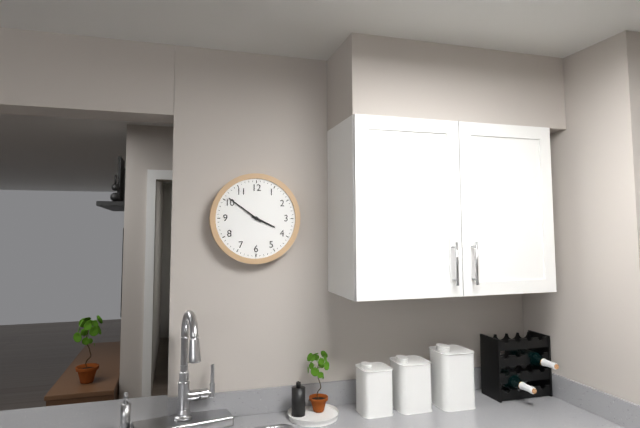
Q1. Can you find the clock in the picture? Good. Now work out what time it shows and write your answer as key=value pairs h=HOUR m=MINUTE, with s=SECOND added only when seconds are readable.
h=3 m=51
